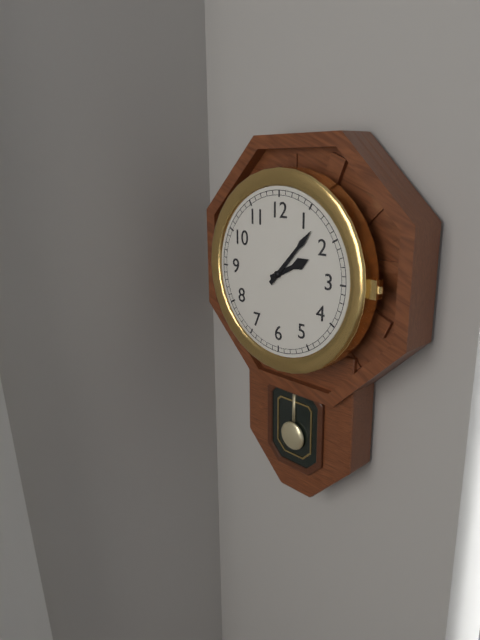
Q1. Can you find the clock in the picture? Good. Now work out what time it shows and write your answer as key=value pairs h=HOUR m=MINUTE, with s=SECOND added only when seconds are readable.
h=2 m=7
